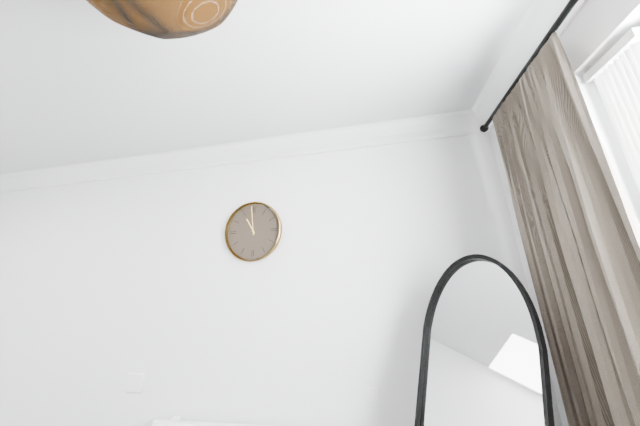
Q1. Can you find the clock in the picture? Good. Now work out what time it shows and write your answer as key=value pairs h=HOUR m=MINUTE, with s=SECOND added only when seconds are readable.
h=10 m=59
